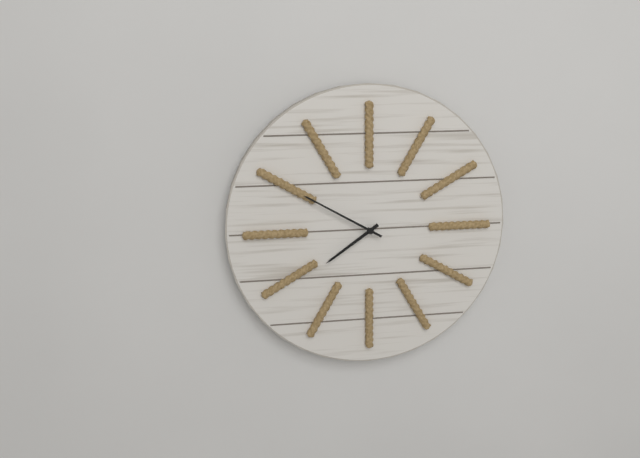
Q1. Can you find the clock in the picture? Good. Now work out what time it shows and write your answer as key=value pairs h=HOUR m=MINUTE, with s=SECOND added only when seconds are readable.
h=7 m=50
